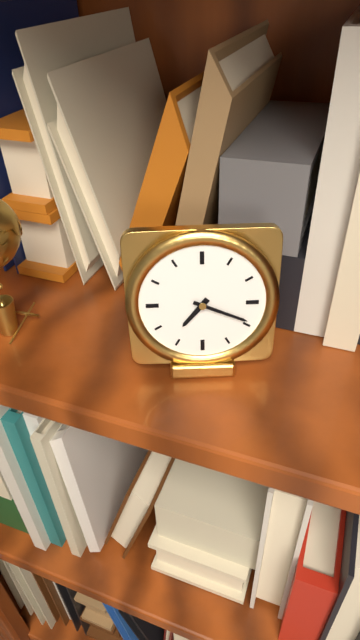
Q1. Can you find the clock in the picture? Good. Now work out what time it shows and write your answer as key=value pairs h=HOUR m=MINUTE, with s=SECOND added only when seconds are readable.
h=7 m=19
